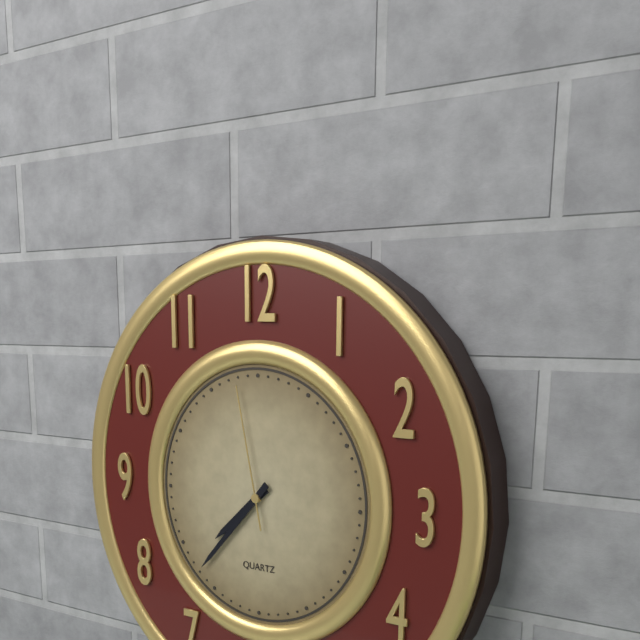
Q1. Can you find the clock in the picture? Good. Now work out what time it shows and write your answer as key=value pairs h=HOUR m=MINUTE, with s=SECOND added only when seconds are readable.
h=7 m=37 s=58
